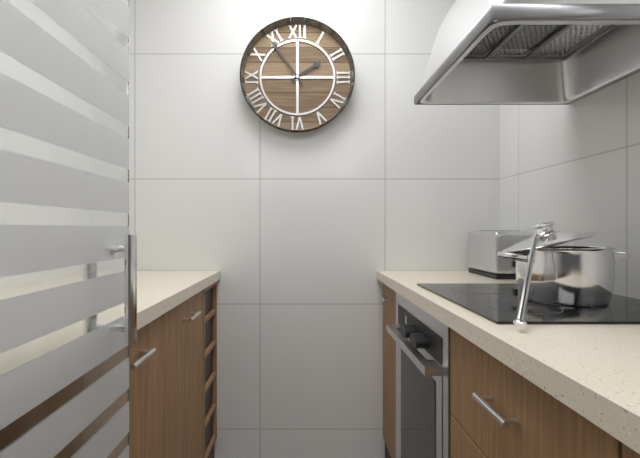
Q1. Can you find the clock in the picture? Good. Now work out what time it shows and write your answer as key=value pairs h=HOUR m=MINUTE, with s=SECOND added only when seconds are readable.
h=1 m=54
